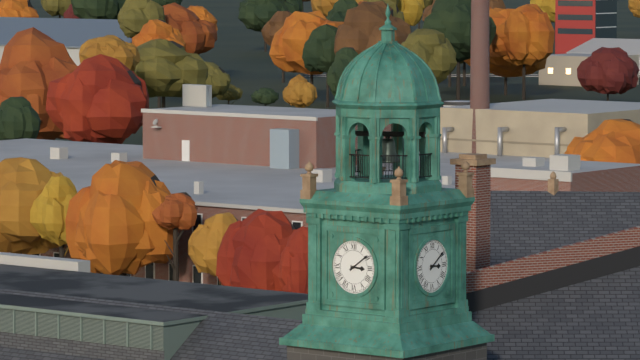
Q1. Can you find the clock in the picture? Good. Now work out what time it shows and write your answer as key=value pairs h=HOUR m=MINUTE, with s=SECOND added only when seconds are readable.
h=3 m=9
